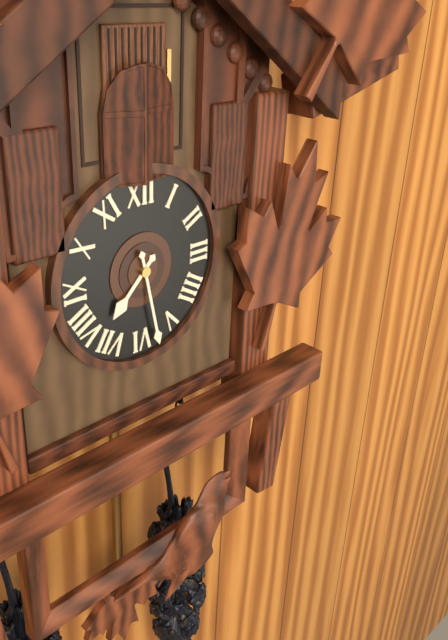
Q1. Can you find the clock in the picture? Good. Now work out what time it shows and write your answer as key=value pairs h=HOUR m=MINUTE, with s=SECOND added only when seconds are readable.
h=7 m=28
